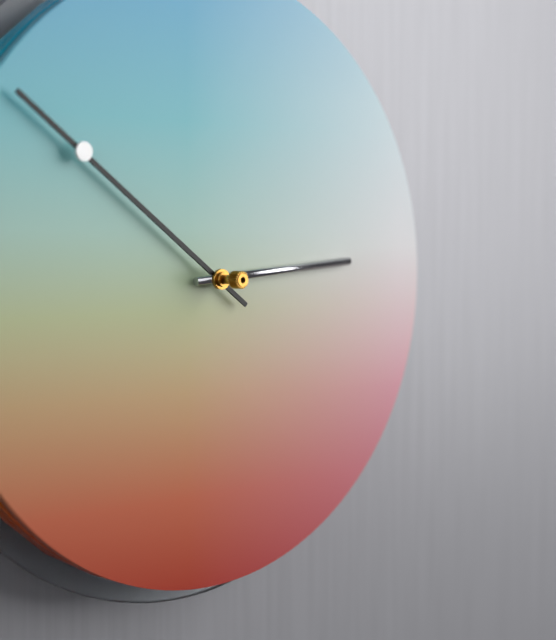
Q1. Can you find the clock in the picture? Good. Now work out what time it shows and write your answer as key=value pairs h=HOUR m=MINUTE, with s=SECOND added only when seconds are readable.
h=2 m=51
